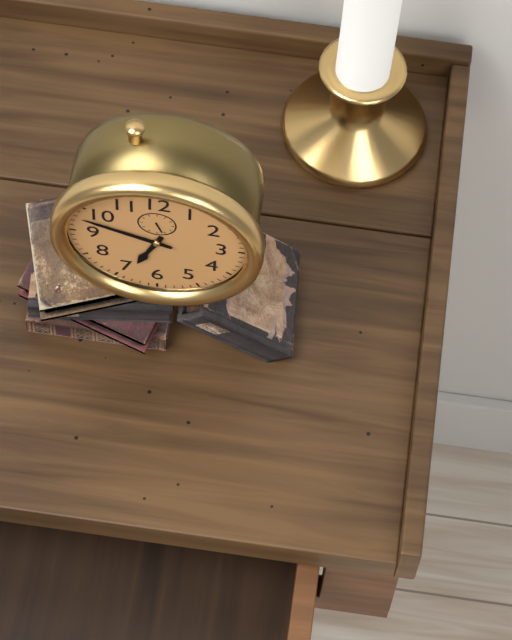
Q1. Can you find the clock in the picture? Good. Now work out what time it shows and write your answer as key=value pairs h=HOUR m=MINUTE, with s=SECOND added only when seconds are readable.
h=6 m=48
